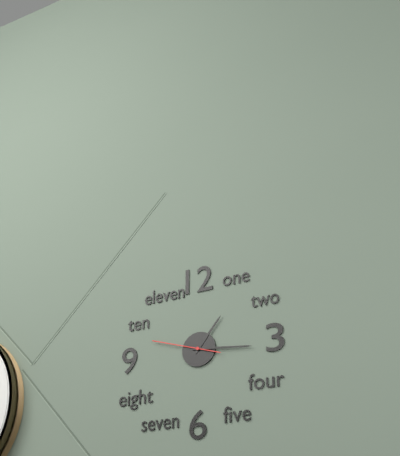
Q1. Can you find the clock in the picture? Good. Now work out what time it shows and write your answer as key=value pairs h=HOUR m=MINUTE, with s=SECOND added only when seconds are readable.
h=1 m=16 s=48
